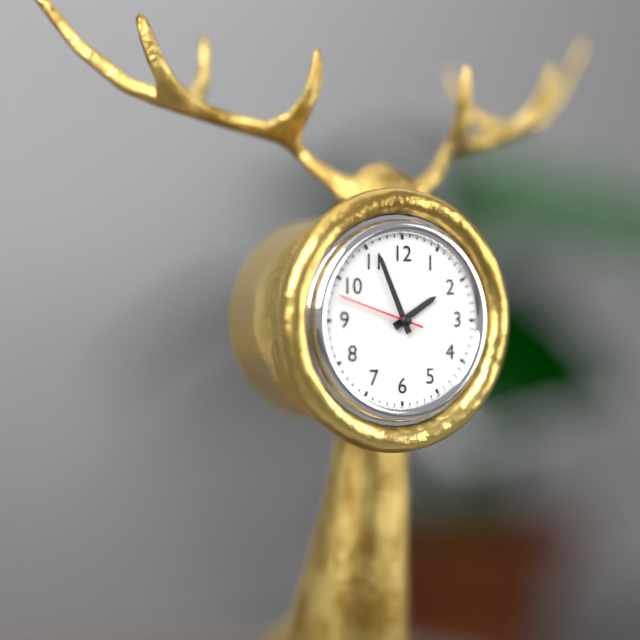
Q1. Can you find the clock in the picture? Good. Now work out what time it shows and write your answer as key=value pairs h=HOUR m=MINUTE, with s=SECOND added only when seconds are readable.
h=1 m=56 s=48
